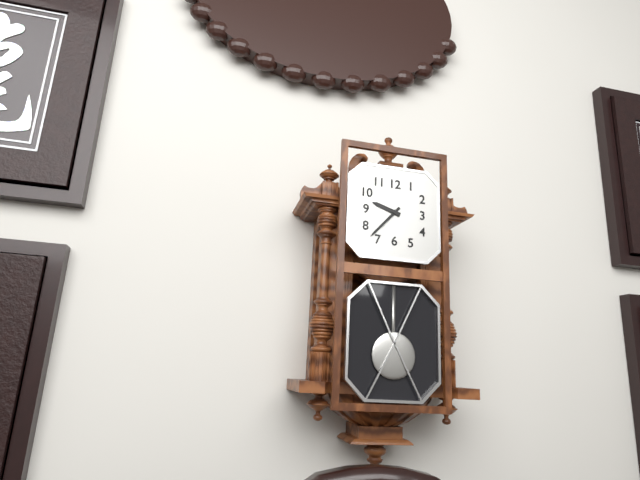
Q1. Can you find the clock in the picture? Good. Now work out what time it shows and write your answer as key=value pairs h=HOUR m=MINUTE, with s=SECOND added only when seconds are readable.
h=9 m=37
